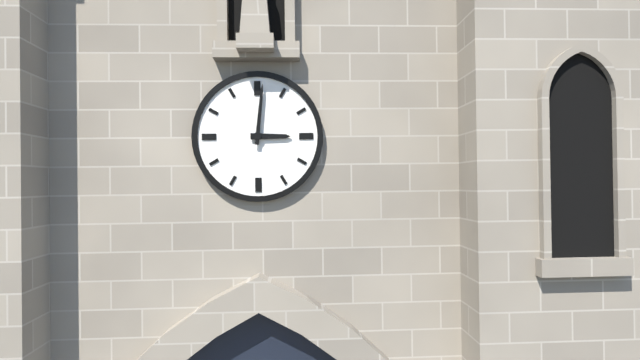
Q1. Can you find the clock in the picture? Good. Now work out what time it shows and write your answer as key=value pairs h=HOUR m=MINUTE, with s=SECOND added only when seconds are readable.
h=3 m=1
